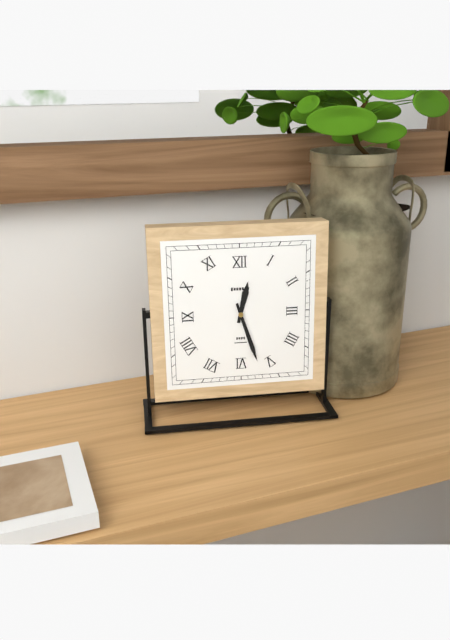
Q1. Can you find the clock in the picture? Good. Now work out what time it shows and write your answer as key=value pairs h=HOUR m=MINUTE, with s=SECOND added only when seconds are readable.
h=12 m=27
